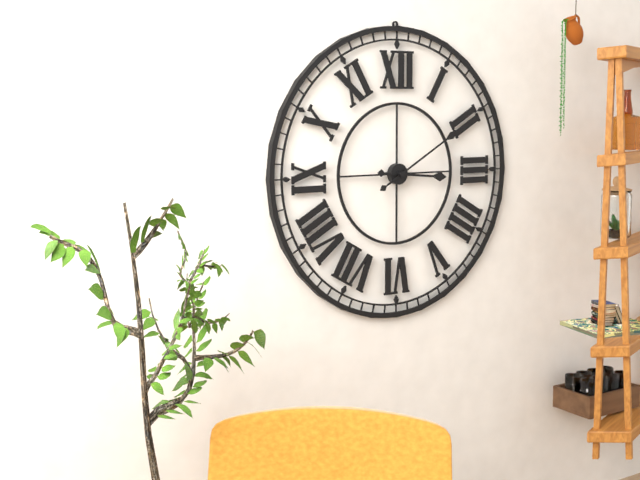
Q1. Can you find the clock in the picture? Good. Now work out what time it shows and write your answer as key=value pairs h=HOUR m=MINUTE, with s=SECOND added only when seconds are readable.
h=3 m=10
